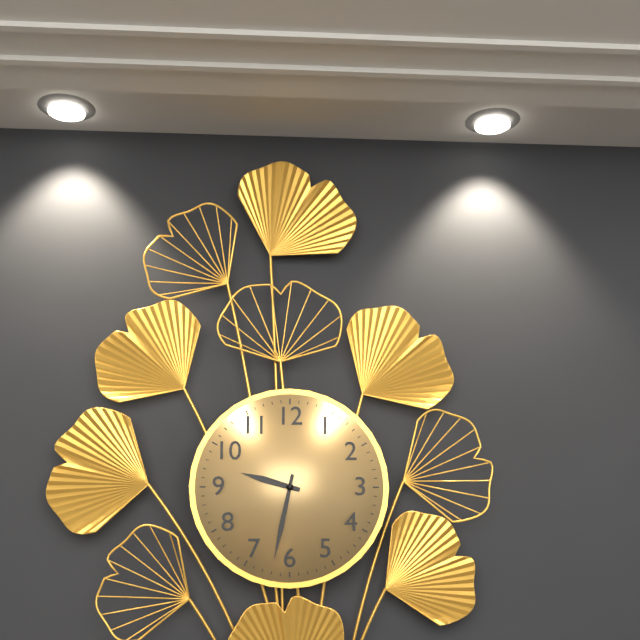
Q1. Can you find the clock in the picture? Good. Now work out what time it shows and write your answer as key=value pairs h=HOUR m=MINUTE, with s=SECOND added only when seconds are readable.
h=9 m=32
